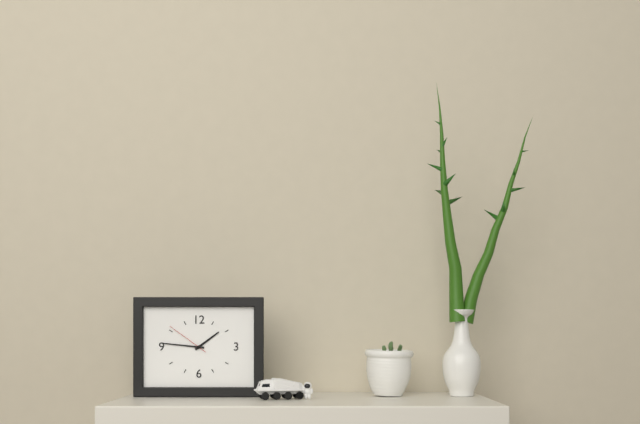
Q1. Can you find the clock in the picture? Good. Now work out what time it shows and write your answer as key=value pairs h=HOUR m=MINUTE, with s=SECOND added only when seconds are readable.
h=1 m=46
